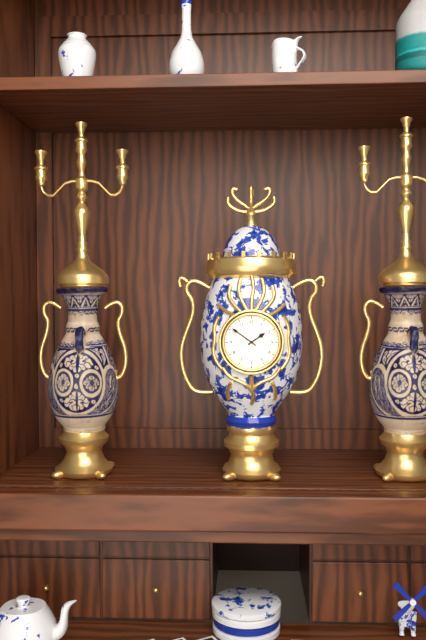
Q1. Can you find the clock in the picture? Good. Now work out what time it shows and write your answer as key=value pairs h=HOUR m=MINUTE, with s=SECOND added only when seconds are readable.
h=1 m=51
